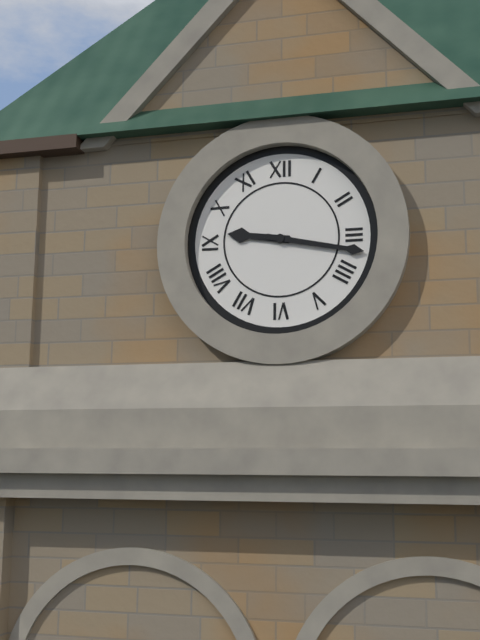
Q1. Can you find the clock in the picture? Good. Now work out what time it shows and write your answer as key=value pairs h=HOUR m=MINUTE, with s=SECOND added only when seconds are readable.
h=9 m=17
